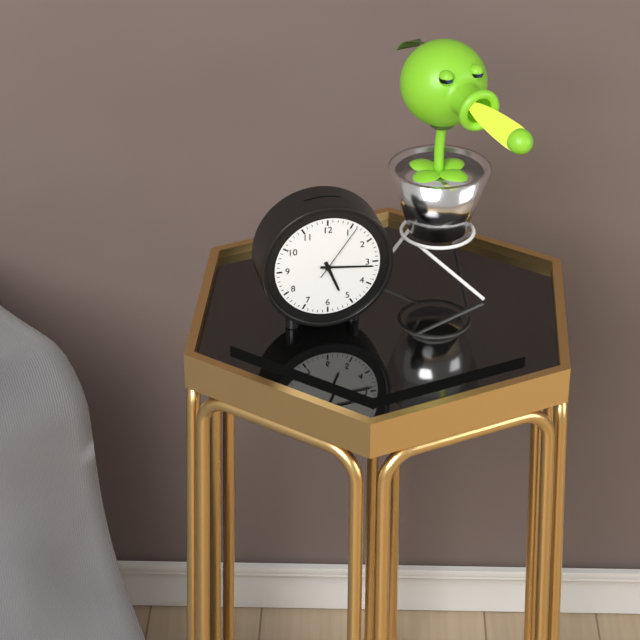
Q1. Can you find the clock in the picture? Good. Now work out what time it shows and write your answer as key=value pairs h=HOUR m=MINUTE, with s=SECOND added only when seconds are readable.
h=5 m=16 s=6
